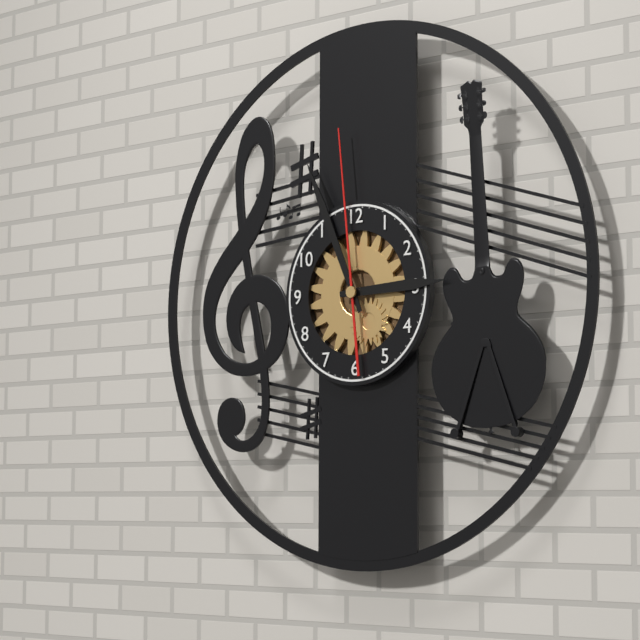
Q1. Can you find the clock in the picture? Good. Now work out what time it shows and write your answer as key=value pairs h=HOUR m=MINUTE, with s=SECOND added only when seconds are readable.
h=2 m=56 s=59
